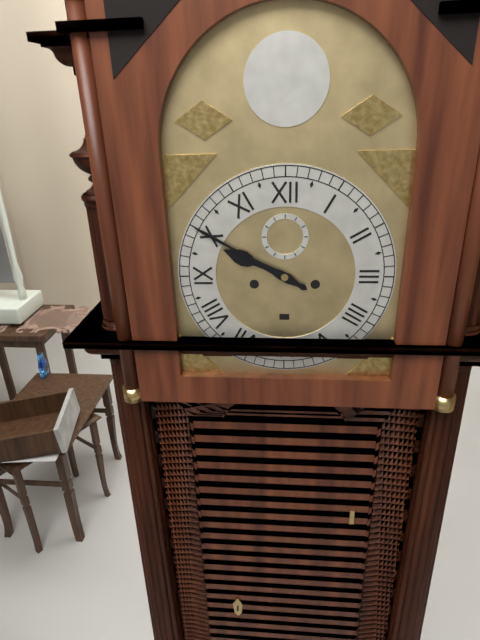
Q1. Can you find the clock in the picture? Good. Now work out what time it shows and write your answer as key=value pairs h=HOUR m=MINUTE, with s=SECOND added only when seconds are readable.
h=9 m=50
